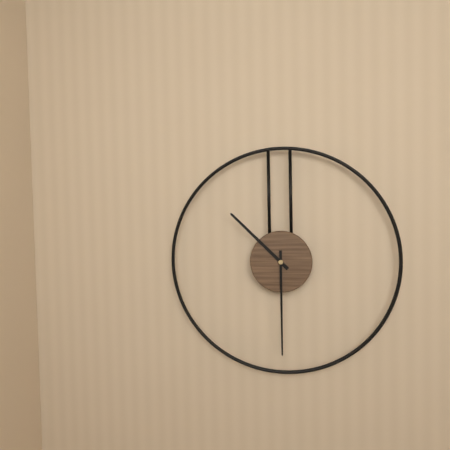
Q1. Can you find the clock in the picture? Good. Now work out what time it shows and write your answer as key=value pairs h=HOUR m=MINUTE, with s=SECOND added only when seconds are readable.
h=10 m=30
